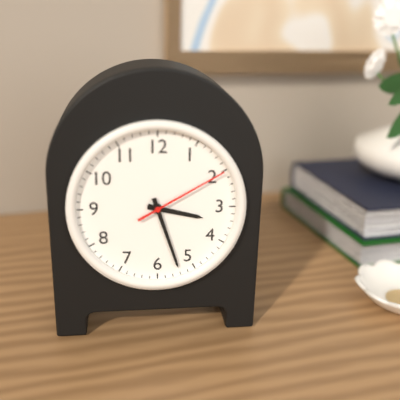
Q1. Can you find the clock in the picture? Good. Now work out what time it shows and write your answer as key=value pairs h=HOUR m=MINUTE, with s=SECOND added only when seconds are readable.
h=3 m=27 s=10
